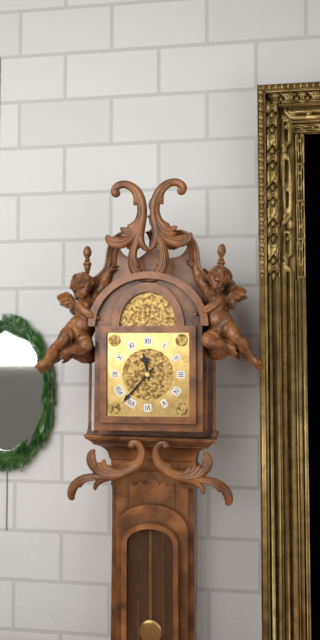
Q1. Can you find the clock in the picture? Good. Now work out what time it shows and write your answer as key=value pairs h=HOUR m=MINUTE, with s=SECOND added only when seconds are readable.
h=11 m=37
